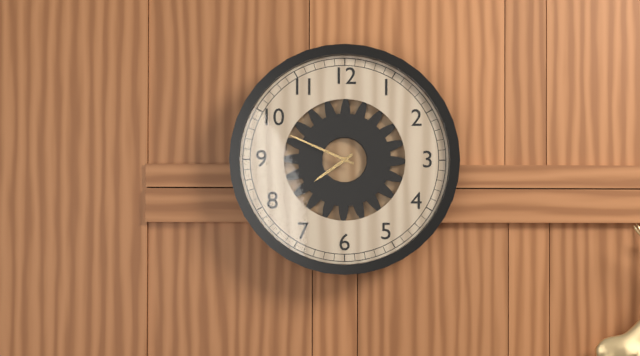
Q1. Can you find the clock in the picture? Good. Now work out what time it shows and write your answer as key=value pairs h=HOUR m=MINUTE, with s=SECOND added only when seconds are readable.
h=7 m=49
